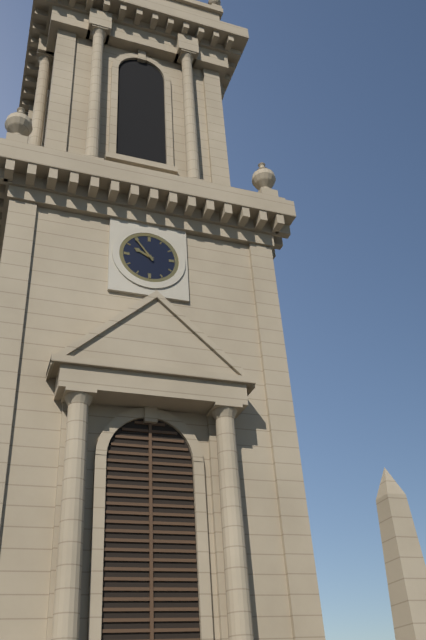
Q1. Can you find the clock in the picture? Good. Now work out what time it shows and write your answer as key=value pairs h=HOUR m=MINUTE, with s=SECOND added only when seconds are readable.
h=9 m=54
